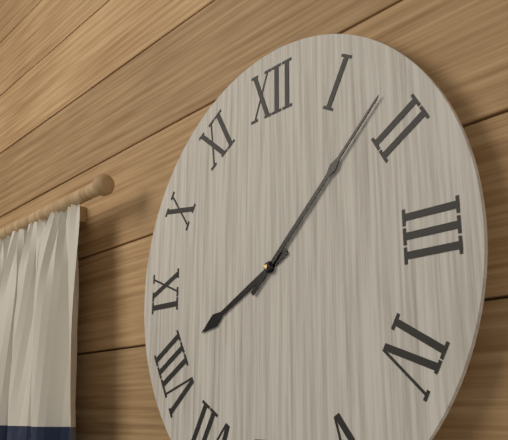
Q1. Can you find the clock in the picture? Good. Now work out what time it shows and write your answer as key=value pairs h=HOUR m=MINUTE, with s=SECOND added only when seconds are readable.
h=8 m=8
